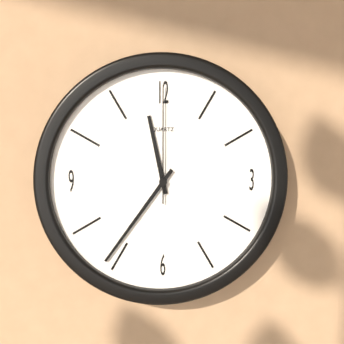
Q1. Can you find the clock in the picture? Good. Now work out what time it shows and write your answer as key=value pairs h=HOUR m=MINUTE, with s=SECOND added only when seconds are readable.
h=11 m=36 s=0
